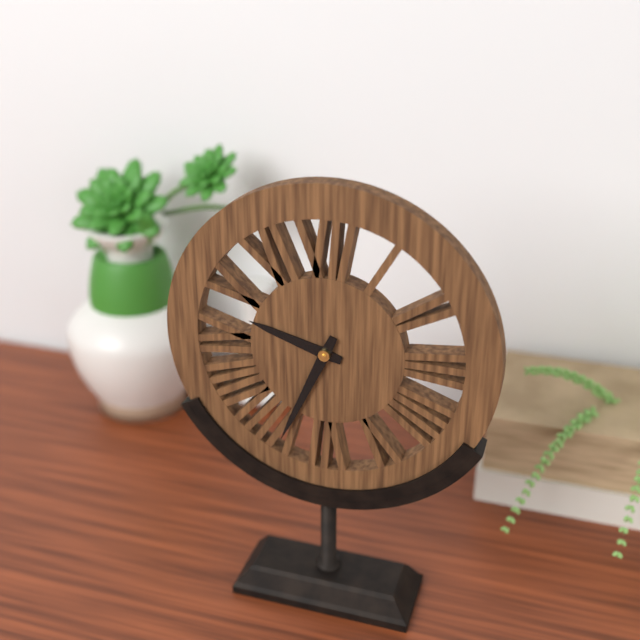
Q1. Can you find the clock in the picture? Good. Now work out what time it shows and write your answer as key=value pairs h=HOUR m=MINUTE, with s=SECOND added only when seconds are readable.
h=9 m=34
